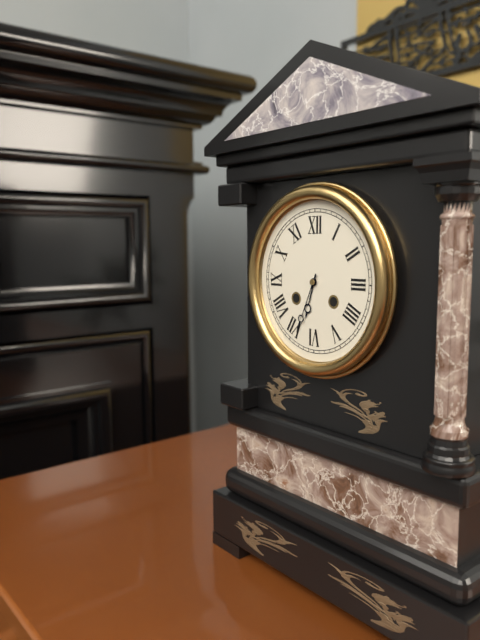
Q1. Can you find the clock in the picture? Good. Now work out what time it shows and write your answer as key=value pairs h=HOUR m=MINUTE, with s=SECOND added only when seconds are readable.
h=6 m=34
